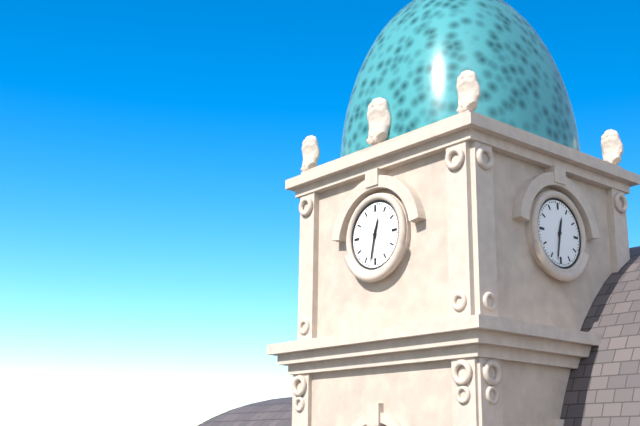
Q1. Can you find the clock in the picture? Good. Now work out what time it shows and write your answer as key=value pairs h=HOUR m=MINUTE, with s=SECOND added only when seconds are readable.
h=12 m=32
